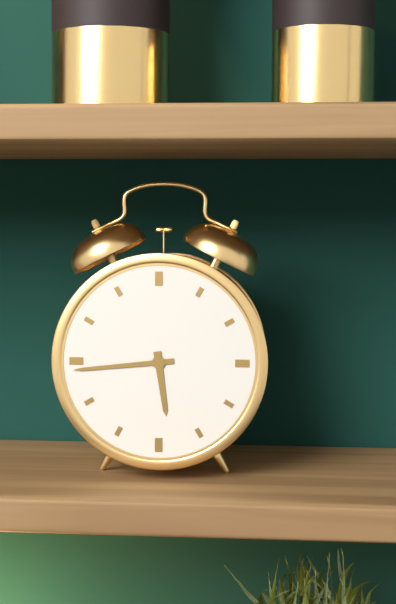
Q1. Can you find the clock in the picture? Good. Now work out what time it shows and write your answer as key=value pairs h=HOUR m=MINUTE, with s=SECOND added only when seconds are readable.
h=5 m=44
